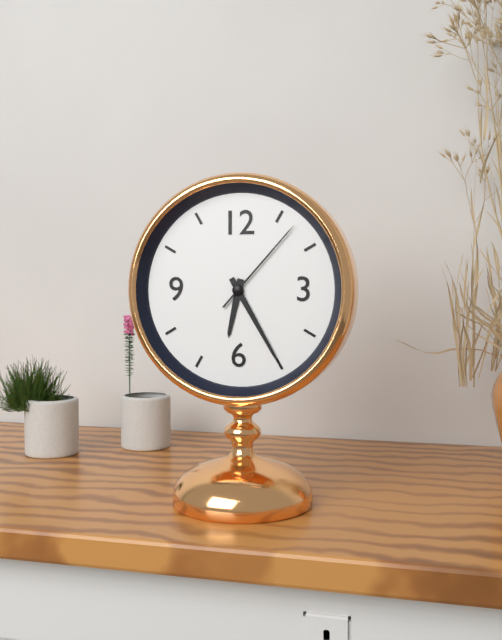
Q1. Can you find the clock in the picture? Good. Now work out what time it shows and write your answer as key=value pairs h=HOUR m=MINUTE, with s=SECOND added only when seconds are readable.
h=6 m=25 s=7
